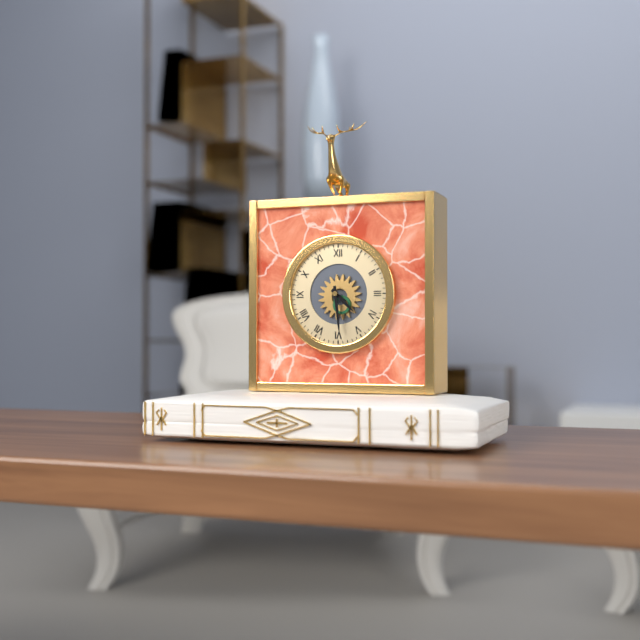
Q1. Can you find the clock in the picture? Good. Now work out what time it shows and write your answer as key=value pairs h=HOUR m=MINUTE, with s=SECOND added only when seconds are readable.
h=4 m=29
